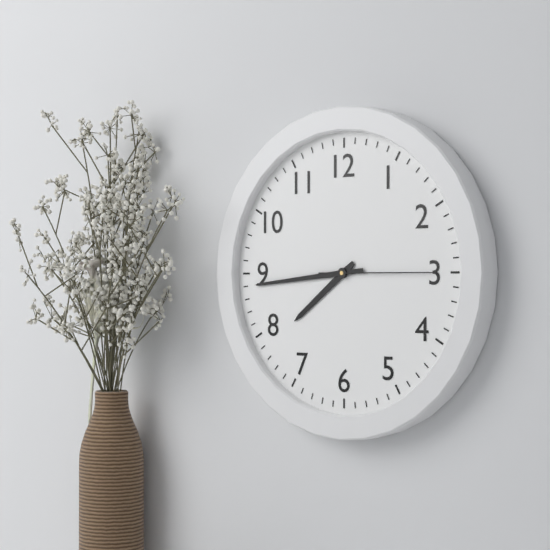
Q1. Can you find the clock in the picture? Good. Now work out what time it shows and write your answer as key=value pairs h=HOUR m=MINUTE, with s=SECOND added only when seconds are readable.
h=7 m=44 s=15
